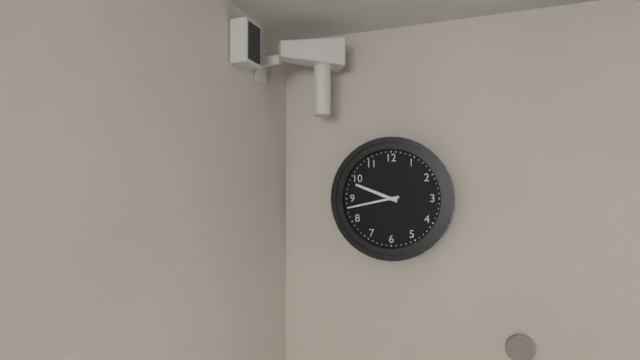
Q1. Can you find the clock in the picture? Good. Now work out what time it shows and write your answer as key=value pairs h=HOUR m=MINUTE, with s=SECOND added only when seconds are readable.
h=9 m=43
